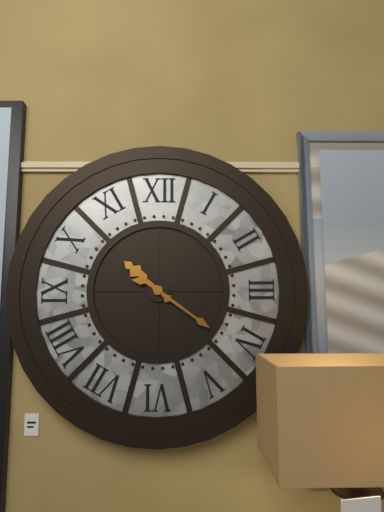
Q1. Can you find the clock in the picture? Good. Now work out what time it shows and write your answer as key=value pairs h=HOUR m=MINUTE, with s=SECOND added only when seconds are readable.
h=10 m=21
